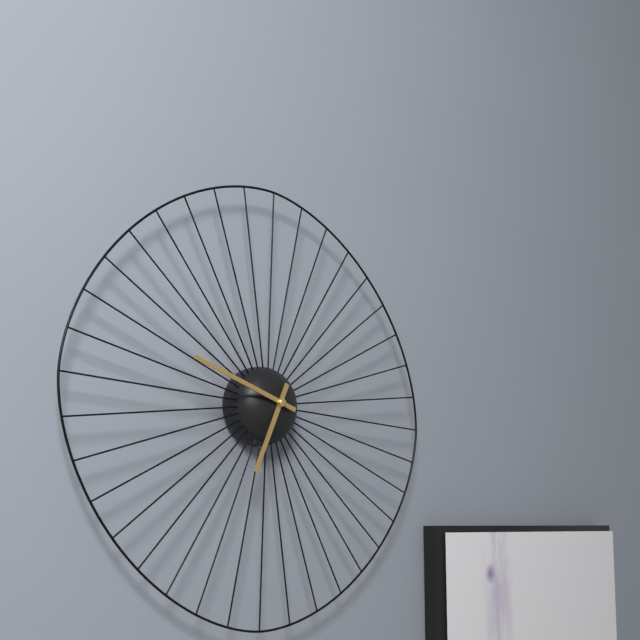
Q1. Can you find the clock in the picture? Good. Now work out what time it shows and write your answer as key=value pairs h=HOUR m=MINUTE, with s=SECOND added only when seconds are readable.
h=6 m=48
